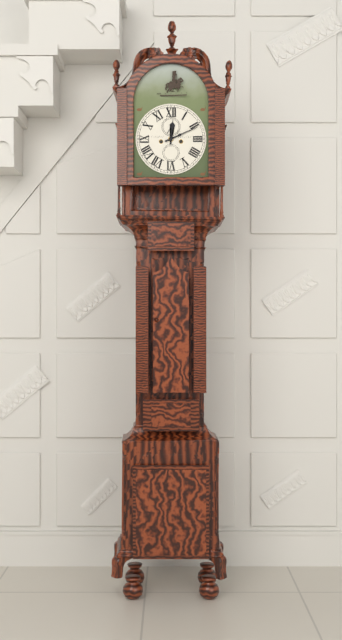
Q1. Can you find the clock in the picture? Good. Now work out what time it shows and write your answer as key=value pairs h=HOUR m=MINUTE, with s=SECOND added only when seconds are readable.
h=12 m=11
